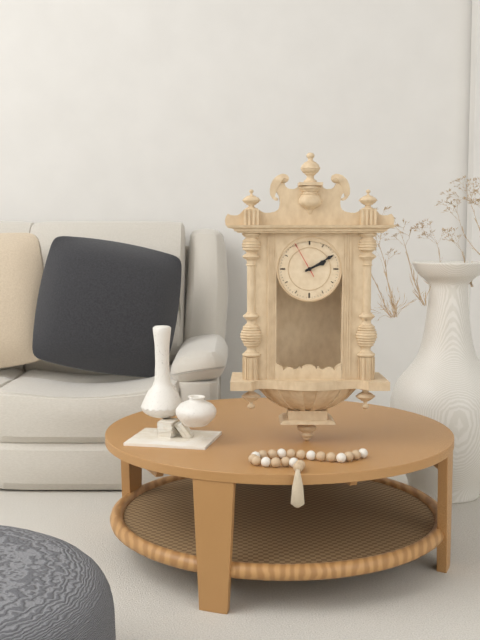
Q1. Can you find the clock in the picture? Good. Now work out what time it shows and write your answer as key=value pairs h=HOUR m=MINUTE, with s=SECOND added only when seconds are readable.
h=2 m=10
